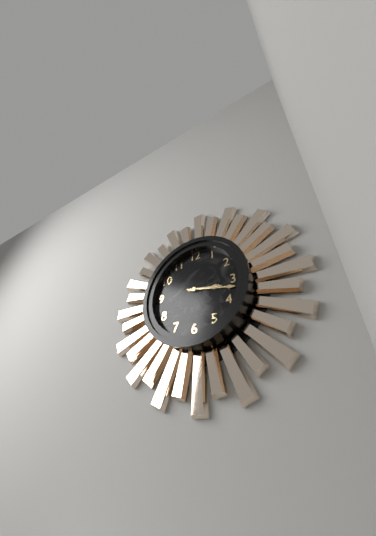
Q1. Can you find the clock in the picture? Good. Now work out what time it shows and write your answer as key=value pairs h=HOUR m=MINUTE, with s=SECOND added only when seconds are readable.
h=3 m=17
